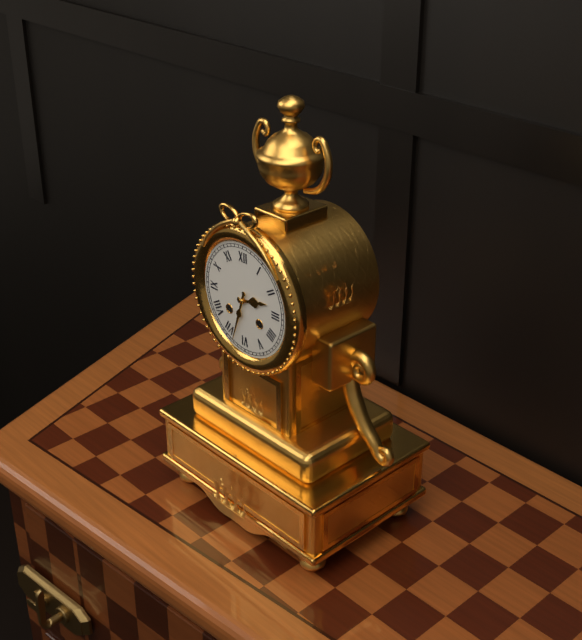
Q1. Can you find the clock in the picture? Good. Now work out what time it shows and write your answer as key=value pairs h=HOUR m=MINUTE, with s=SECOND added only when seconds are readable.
h=2 m=33
